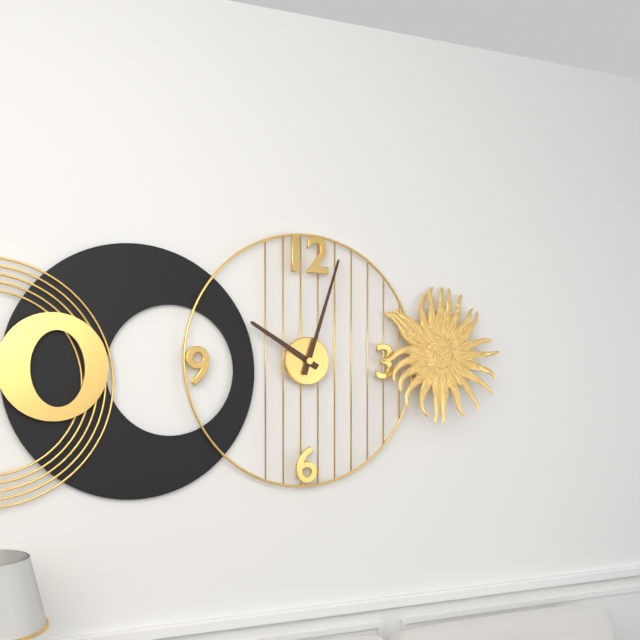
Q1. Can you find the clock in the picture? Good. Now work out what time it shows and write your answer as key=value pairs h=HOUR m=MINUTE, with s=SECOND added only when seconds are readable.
h=10 m=3
